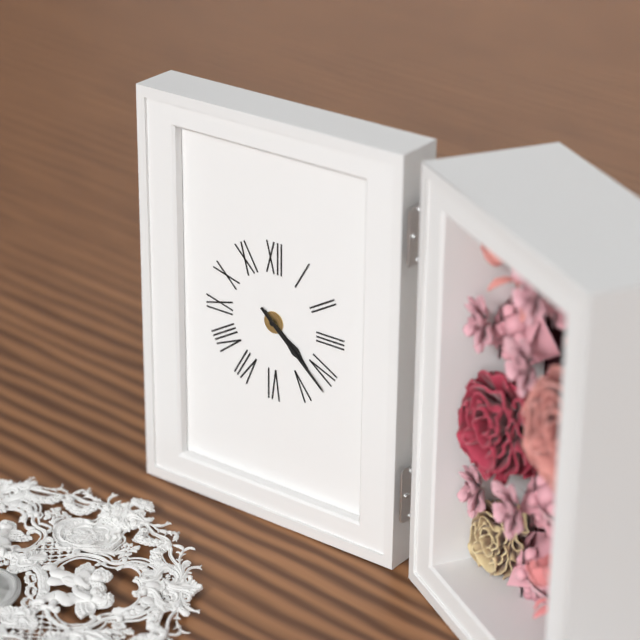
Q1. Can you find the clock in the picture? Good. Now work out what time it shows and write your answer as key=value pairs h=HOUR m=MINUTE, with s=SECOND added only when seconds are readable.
h=4 m=22
